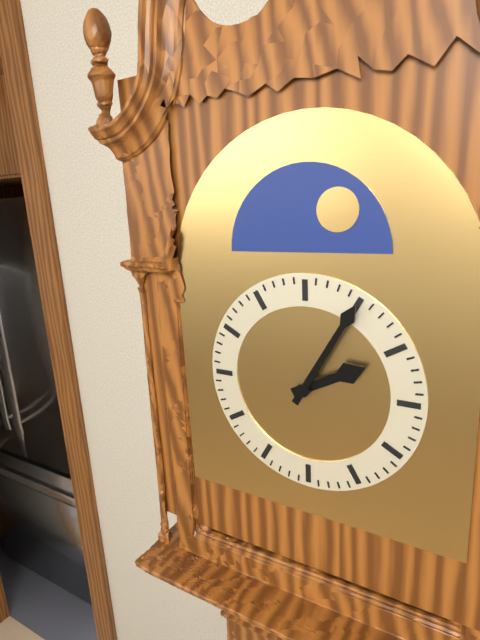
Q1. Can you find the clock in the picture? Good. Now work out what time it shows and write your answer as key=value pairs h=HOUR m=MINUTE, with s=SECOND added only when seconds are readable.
h=2 m=5
